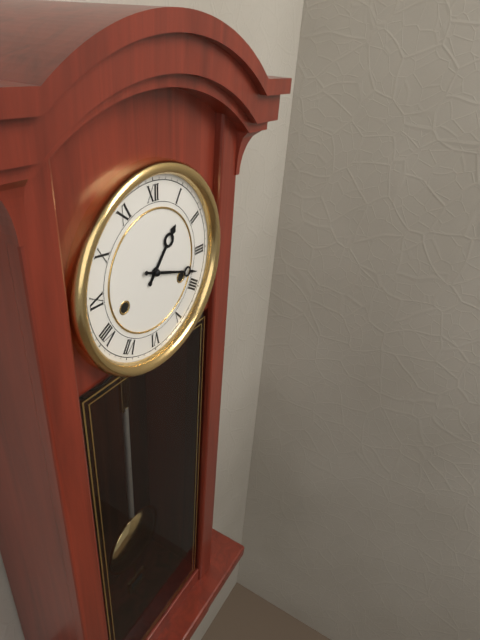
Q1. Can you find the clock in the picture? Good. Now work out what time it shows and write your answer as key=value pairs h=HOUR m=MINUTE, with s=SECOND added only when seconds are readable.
h=1 m=18
